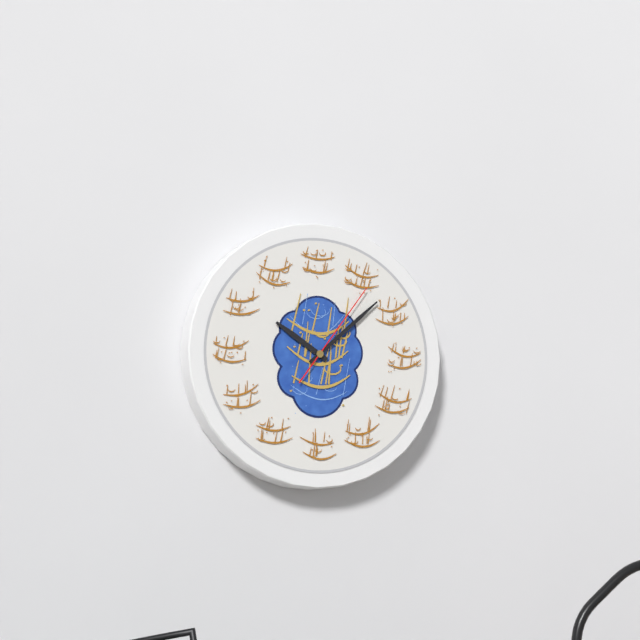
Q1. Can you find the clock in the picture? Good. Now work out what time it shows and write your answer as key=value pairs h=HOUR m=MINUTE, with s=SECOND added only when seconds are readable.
h=10 m=8 s=6
